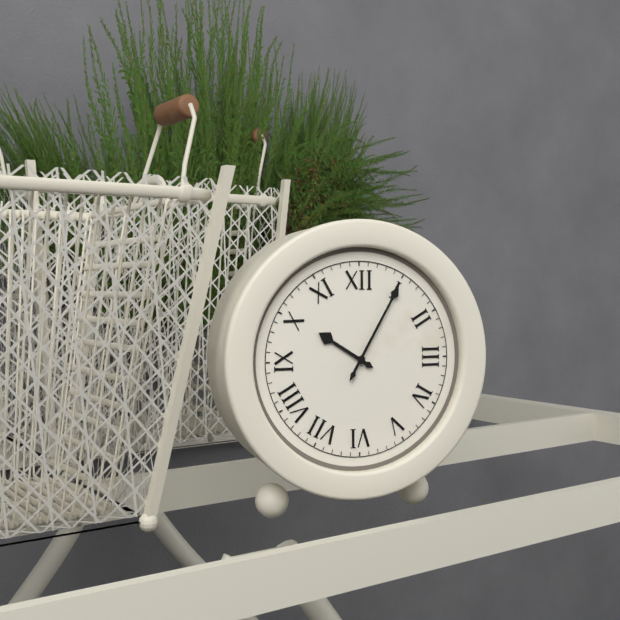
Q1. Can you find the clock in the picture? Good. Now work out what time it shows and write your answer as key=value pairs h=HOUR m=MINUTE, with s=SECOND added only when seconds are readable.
h=10 m=5
